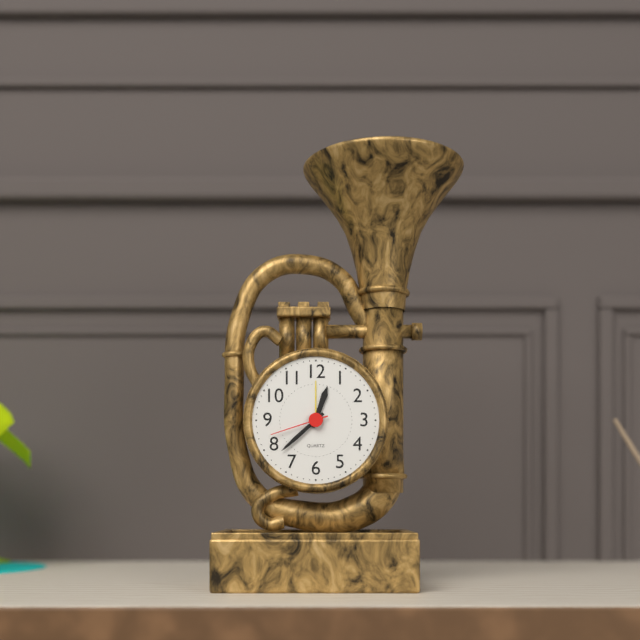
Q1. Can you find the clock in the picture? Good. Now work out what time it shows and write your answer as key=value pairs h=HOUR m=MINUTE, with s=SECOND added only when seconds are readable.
h=12 m=38 s=42
